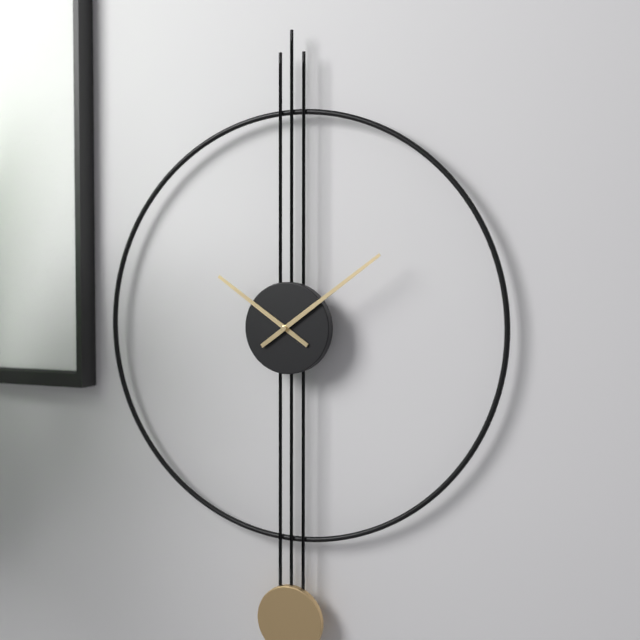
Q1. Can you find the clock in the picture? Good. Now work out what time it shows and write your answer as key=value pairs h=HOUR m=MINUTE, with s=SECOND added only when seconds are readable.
h=10 m=9
